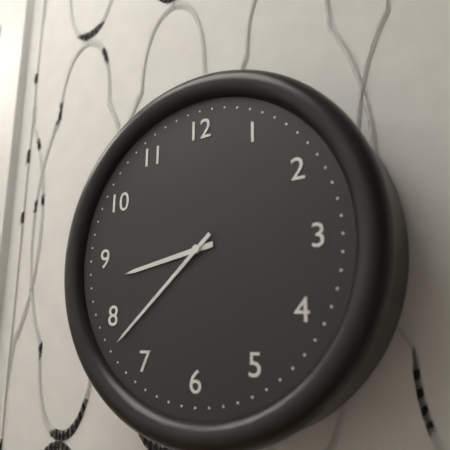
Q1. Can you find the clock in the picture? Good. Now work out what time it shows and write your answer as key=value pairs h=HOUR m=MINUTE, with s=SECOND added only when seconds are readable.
h=8 m=38
